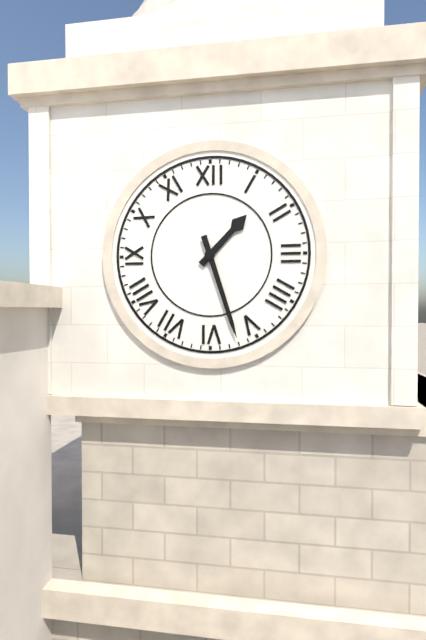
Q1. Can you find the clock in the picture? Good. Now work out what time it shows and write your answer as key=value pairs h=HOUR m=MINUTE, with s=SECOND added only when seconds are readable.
h=1 m=27
